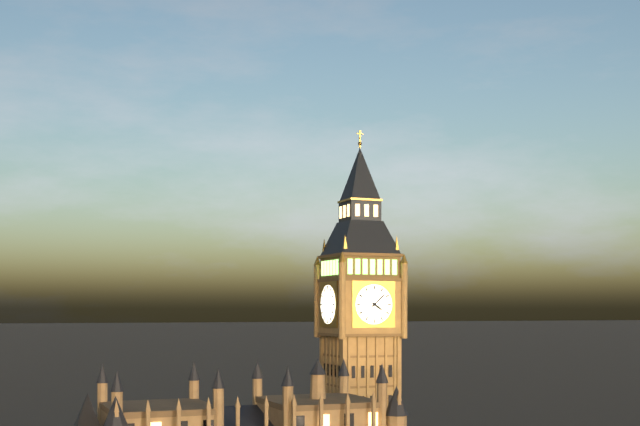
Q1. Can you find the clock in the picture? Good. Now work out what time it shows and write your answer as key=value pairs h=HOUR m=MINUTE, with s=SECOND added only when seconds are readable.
h=4 m=8
